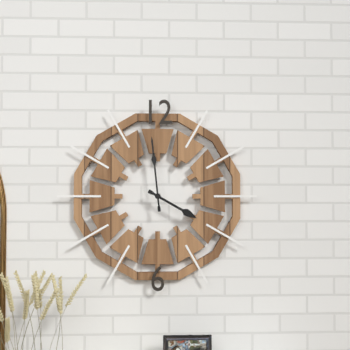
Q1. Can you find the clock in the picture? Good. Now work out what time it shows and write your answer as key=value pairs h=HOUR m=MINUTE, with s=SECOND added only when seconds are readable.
h=3 m=59
